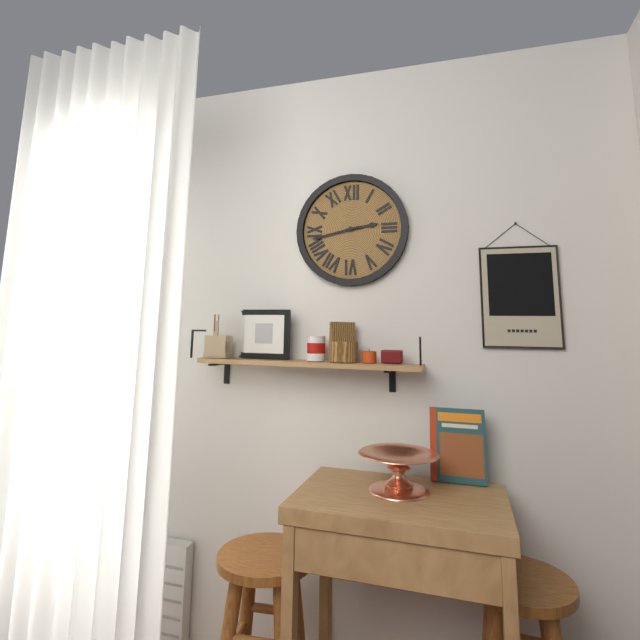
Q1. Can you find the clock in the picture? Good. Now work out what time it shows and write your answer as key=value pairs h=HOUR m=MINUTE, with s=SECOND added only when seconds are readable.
h=2 m=43
